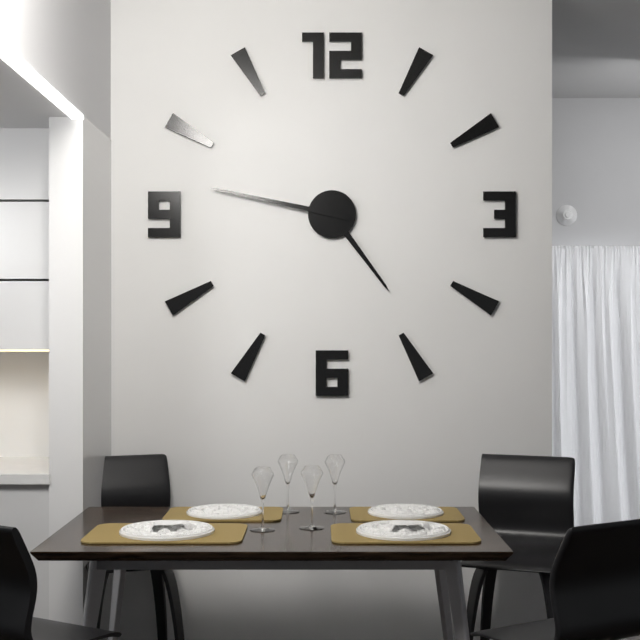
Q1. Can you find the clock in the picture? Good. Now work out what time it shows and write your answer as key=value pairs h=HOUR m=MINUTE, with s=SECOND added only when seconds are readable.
h=4 m=47
